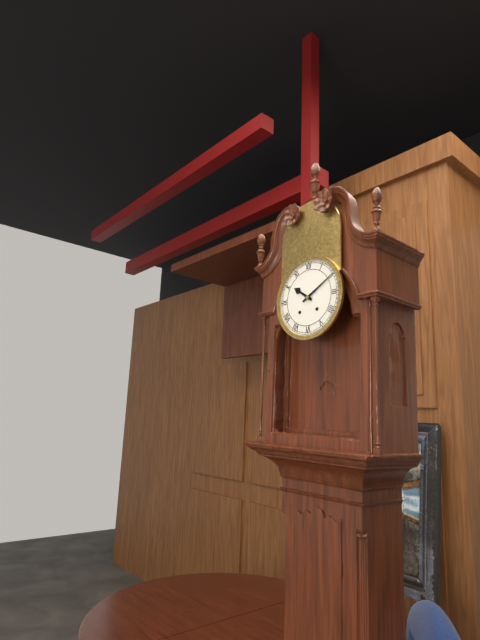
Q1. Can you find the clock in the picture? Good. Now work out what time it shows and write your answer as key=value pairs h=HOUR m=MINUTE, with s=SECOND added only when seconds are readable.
h=10 m=10
